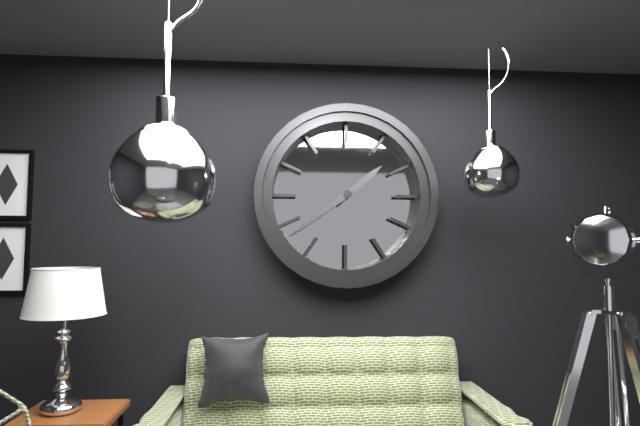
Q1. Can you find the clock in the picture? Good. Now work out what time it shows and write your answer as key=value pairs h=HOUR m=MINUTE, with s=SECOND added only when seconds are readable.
h=1 m=39
